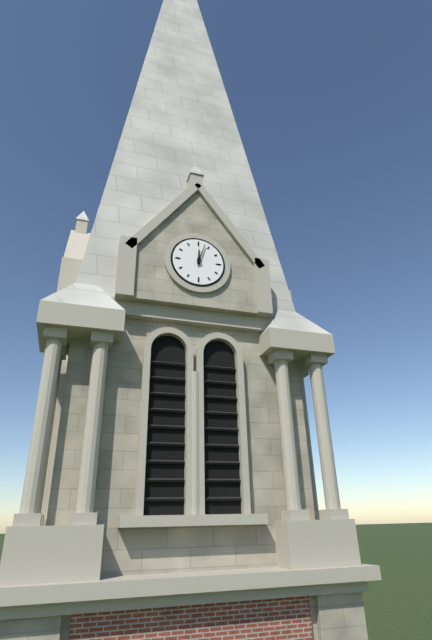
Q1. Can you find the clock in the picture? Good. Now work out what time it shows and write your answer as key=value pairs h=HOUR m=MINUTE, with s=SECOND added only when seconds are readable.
h=12 m=3
